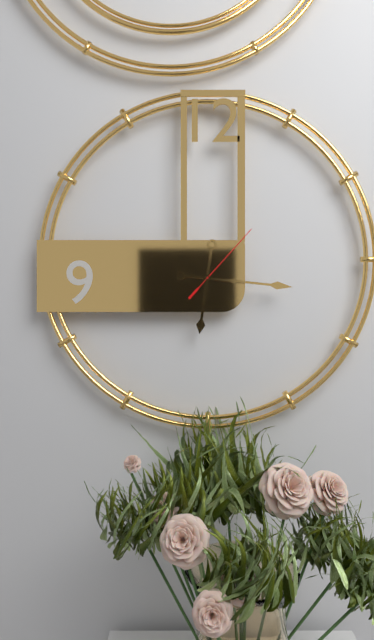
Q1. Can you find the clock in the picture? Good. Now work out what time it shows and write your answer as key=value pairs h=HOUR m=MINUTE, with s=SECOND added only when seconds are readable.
h=6 m=16 s=7
